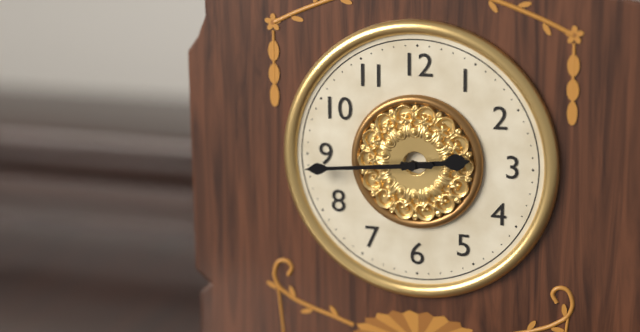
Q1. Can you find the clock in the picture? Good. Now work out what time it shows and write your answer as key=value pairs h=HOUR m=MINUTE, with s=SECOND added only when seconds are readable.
h=2 m=44
